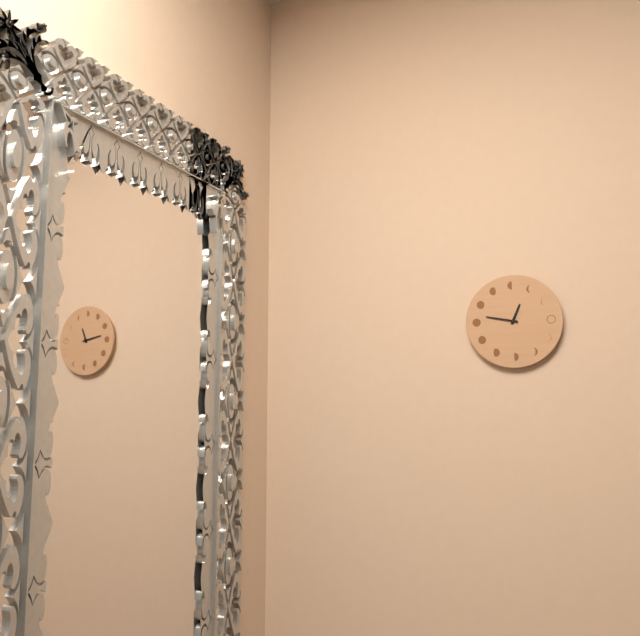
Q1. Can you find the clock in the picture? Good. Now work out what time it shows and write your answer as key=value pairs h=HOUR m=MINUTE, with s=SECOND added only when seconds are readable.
h=12 m=47
